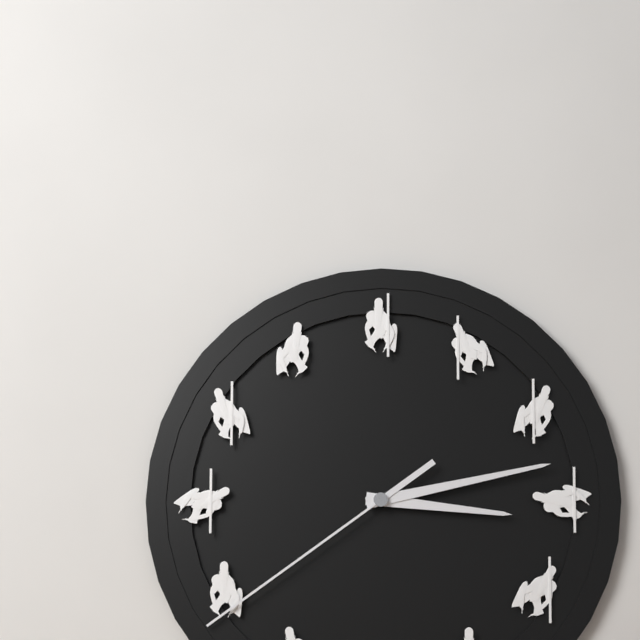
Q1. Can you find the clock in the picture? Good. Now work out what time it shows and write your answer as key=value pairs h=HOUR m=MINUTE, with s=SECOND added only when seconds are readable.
h=3 m=13 s=39
